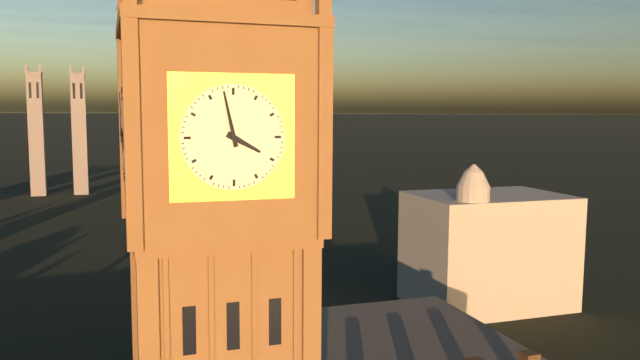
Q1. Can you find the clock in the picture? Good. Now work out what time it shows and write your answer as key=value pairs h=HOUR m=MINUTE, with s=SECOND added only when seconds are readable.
h=3 m=58
